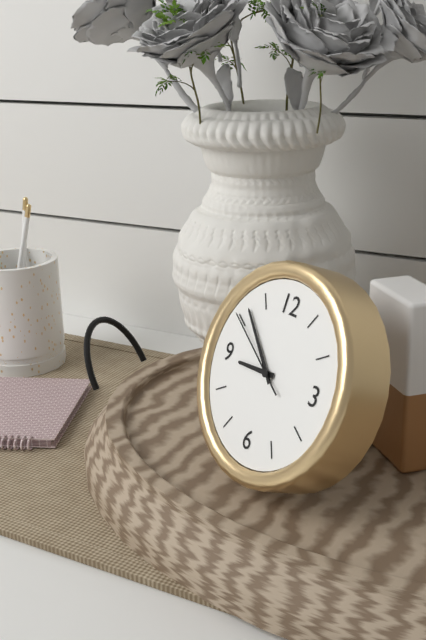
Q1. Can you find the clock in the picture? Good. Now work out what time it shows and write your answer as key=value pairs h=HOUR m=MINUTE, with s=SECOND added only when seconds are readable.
h=8 m=52 s=50
